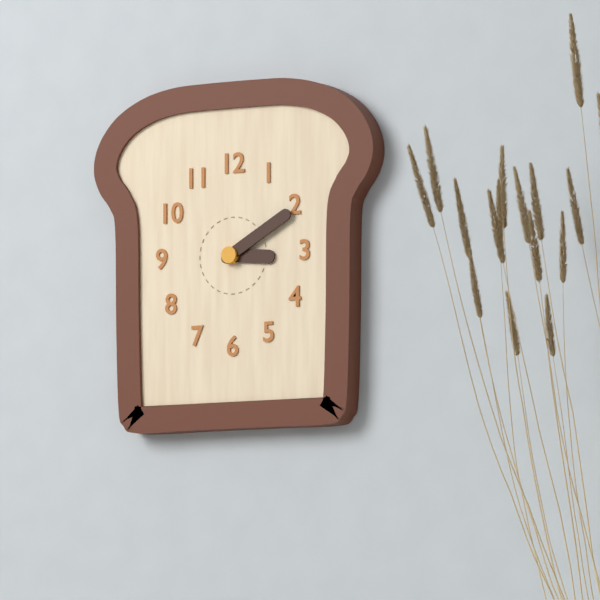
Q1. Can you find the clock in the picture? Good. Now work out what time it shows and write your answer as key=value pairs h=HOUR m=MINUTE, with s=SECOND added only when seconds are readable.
h=3 m=10
